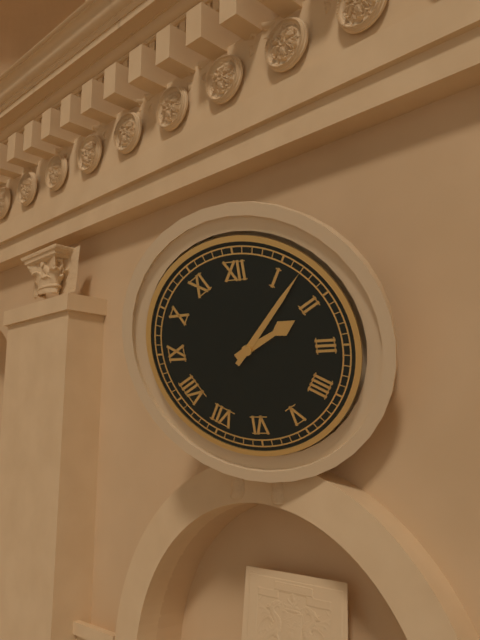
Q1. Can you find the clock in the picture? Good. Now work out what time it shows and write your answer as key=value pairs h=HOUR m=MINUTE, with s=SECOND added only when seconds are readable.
h=2 m=7
